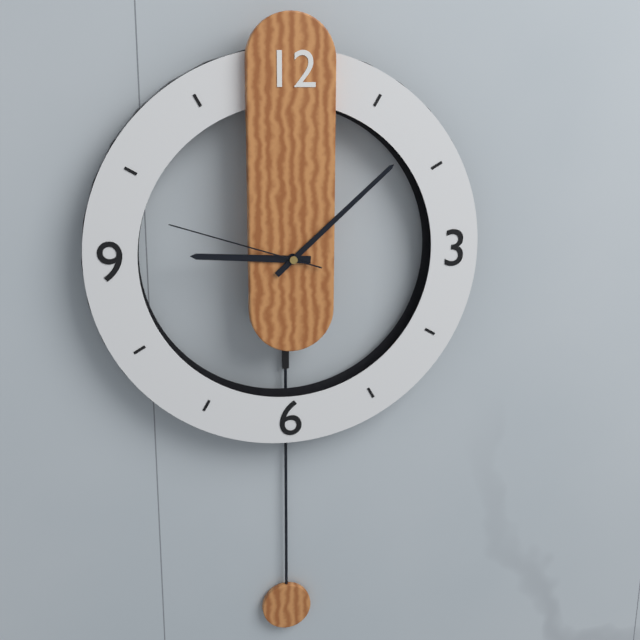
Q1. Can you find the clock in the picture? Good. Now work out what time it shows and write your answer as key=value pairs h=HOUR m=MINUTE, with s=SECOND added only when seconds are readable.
h=9 m=8 s=48
